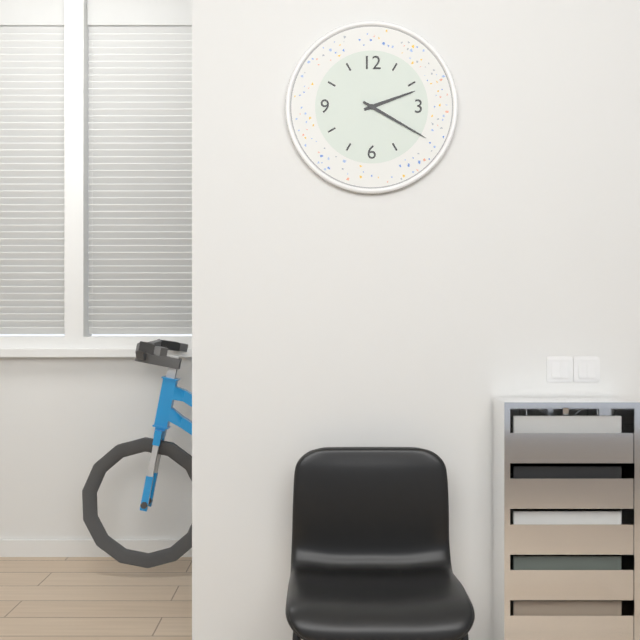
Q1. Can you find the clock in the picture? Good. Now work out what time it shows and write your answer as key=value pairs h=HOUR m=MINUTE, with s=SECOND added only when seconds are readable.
h=2 m=20
